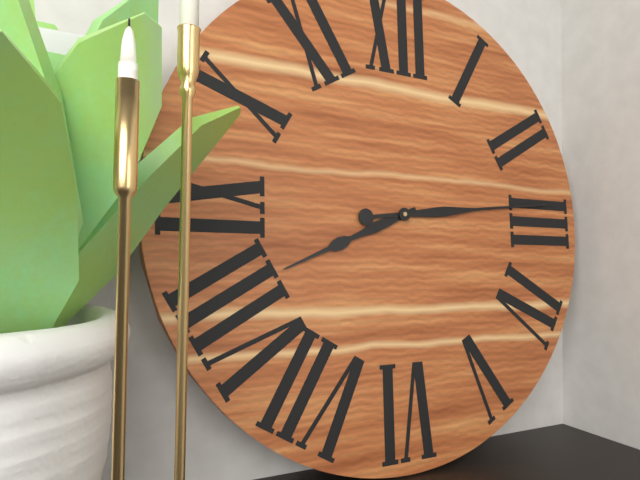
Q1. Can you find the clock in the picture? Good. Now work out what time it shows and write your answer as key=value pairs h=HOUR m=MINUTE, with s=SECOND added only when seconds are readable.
h=8 m=14
